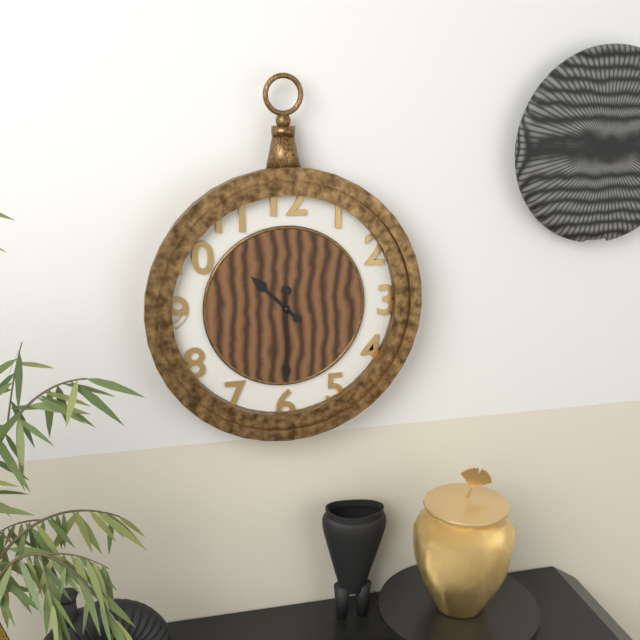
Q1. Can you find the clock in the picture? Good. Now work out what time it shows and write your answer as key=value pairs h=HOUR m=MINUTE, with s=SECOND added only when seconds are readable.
h=10 m=30
